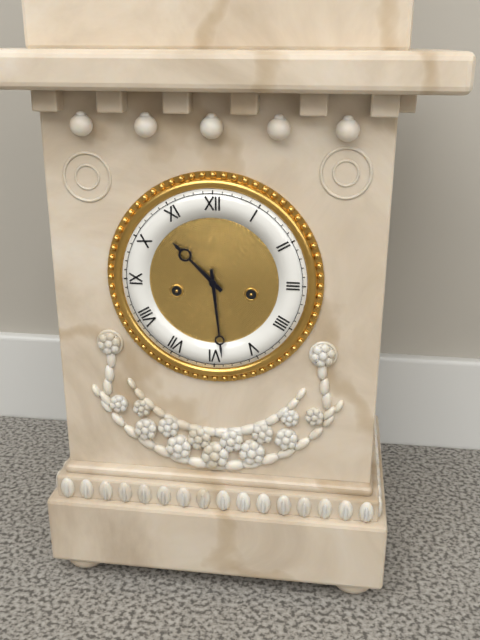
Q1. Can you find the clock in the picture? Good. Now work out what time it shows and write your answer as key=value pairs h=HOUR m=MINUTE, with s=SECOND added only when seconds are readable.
h=10 m=29
